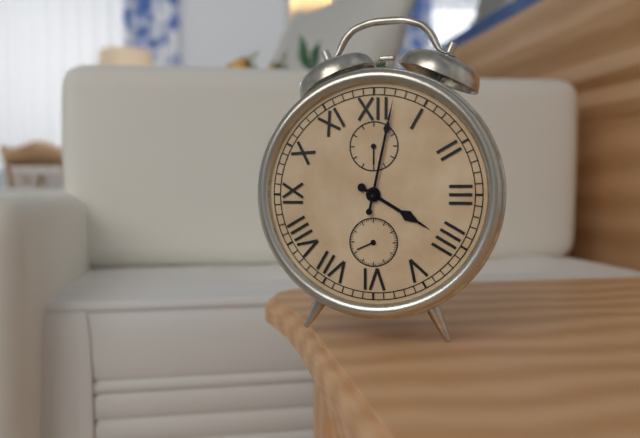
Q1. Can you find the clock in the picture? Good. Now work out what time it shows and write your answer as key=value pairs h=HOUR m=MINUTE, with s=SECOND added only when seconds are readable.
h=4 m=2
